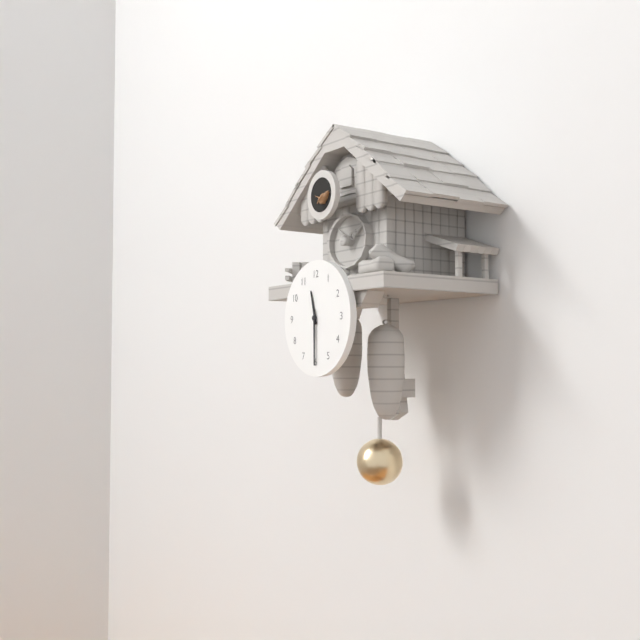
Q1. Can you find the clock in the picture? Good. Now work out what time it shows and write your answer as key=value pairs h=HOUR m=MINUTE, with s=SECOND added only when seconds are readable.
h=11 m=30
